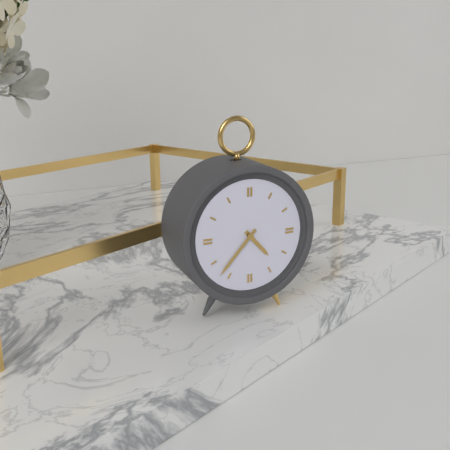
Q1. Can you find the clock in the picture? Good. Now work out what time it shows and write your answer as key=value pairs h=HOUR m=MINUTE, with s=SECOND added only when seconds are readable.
h=4 m=37
